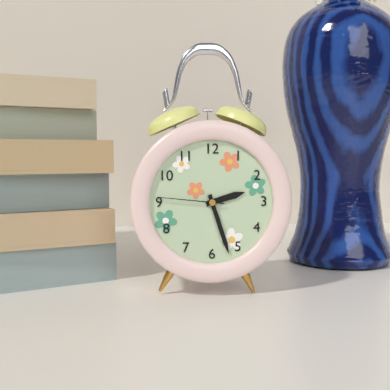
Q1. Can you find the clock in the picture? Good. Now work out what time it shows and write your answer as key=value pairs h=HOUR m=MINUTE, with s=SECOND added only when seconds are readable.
h=2 m=27 s=46
